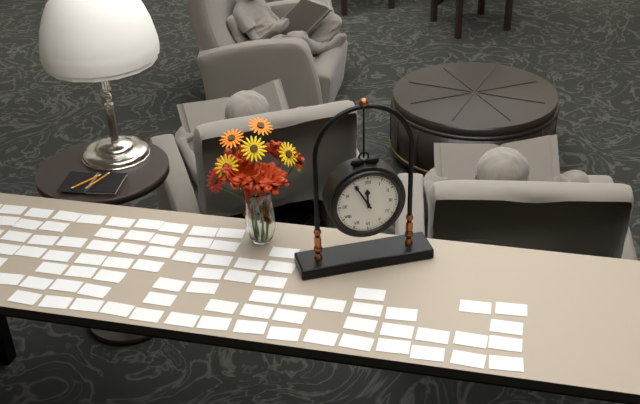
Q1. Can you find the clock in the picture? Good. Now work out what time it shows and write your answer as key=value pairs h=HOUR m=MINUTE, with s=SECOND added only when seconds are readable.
h=11 m=55
